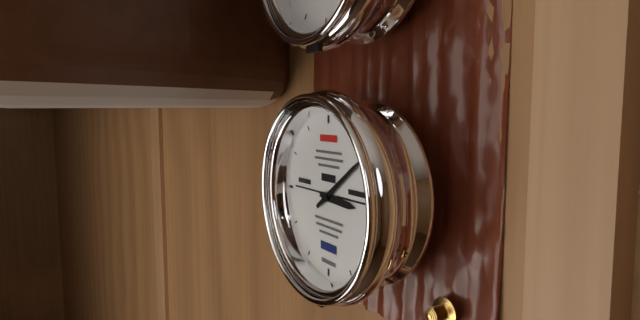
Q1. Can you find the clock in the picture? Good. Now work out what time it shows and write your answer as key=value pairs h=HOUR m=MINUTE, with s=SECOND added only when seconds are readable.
h=3 m=9
